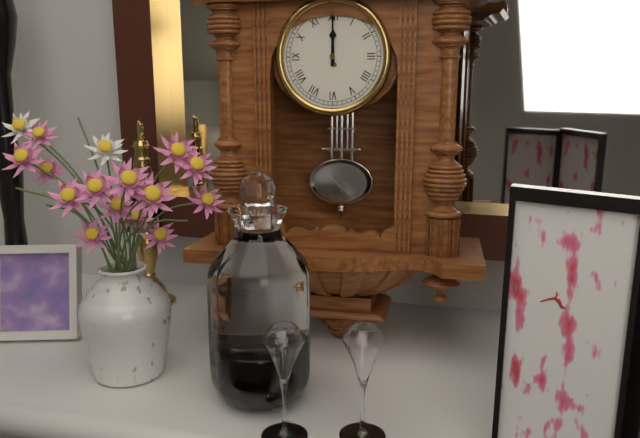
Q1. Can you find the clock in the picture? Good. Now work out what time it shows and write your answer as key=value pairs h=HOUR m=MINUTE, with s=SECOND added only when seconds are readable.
h=12 m=0
